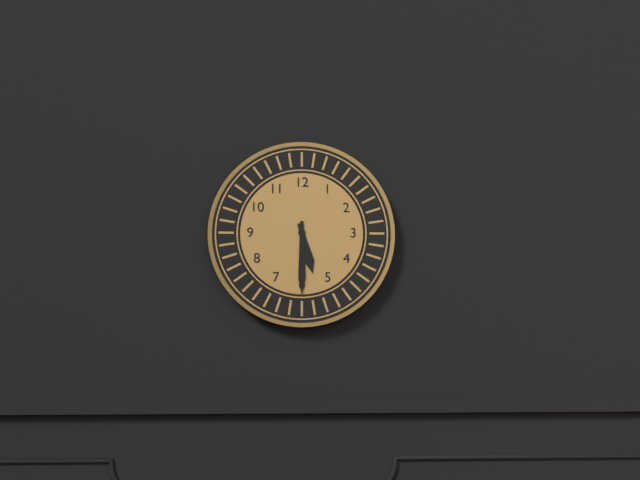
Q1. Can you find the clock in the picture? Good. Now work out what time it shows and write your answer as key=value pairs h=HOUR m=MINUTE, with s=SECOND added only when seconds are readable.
h=5 m=30
